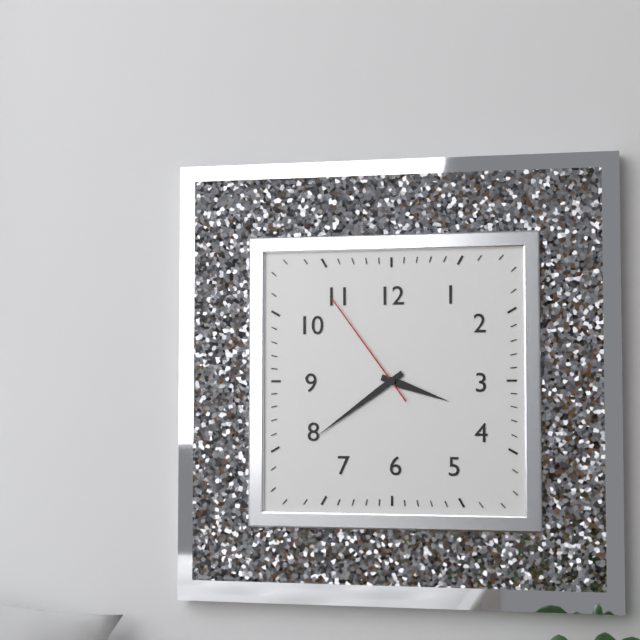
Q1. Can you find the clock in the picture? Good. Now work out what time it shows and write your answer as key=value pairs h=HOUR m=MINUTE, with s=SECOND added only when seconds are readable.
h=3 m=39 s=54
